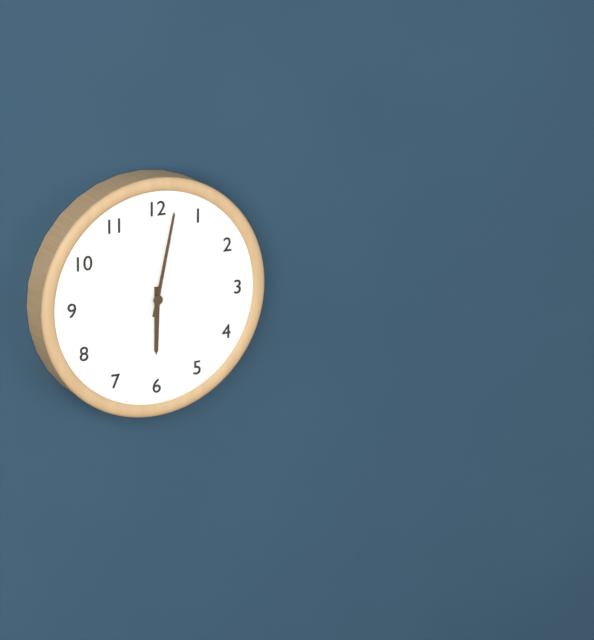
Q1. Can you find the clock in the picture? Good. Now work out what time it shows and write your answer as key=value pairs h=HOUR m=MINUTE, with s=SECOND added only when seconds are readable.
h=6 m=2
